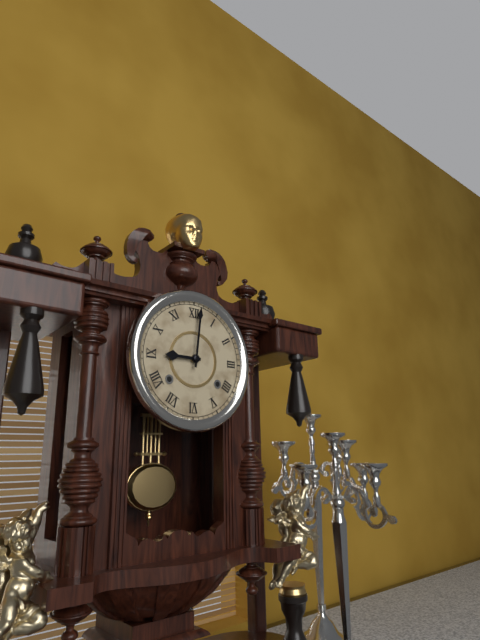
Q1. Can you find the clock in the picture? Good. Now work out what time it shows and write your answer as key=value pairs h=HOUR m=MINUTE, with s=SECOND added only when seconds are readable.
h=9 m=1
